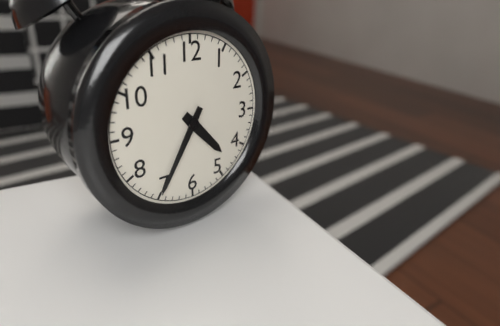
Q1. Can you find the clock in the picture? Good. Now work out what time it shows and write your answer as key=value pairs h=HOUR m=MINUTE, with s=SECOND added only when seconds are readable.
h=4 m=35
